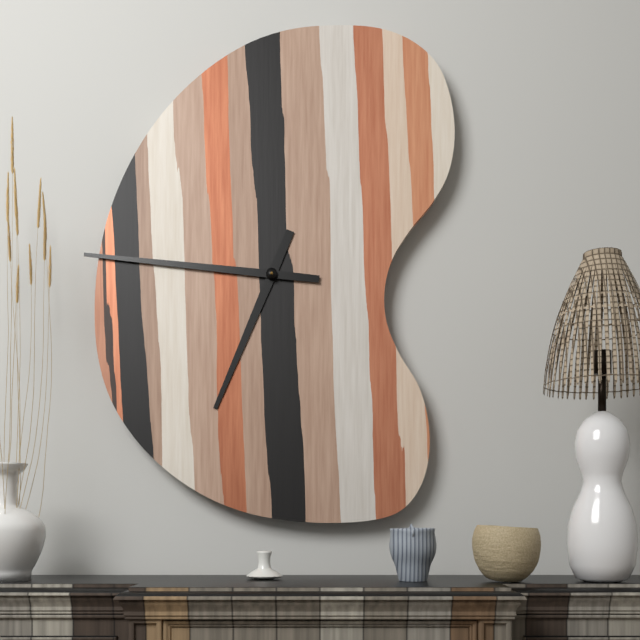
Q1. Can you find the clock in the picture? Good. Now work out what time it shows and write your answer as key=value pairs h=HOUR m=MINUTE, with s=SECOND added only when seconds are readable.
h=6 m=46
